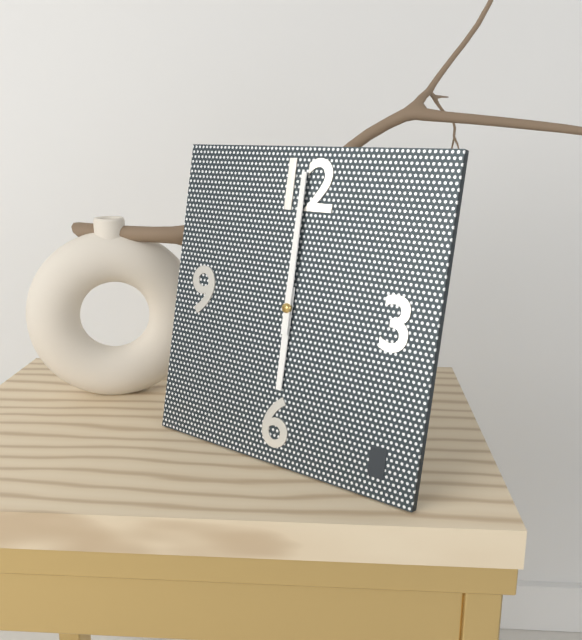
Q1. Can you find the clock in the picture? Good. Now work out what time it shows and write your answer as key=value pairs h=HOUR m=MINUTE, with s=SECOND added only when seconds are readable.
h=6 m=0
